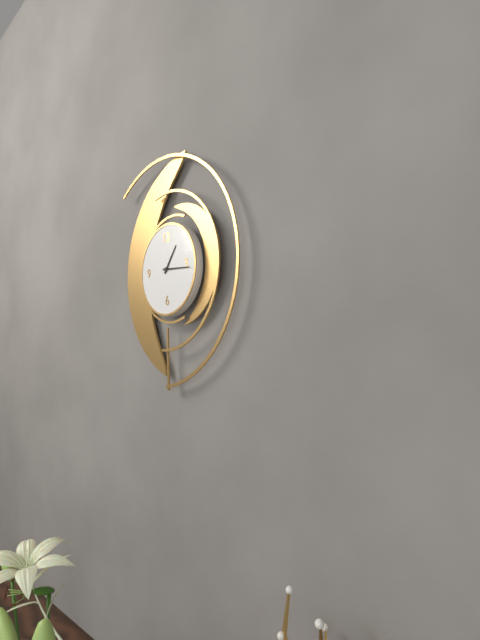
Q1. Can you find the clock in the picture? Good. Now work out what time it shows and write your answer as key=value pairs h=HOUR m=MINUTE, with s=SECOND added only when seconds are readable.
h=1 m=16
